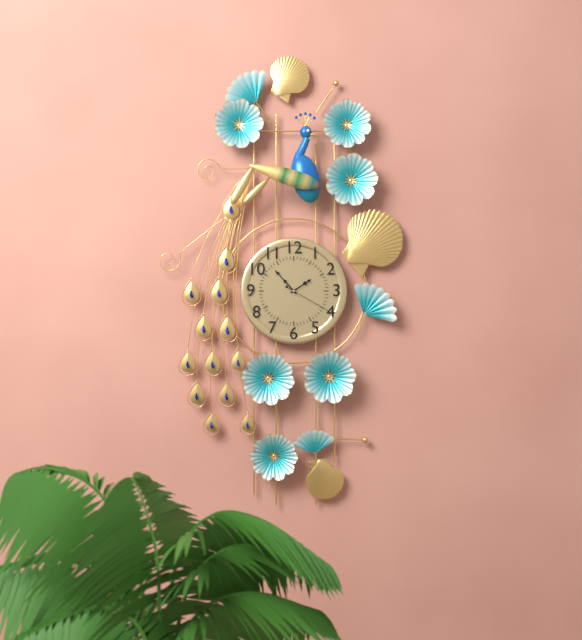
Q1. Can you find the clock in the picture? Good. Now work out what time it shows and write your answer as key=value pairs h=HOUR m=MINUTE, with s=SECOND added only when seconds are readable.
h=1 m=53
